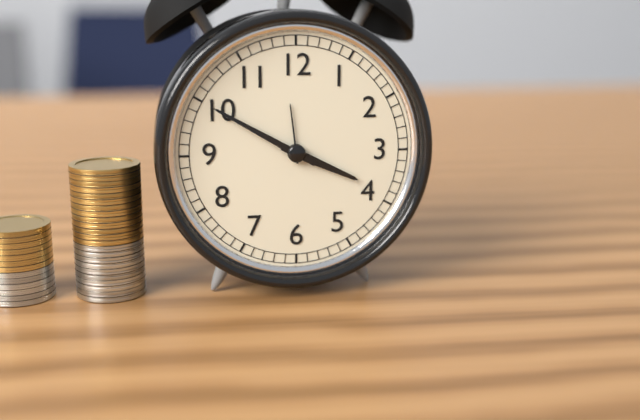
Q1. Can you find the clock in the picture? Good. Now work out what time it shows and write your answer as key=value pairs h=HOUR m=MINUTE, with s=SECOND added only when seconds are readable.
h=3 m=50
